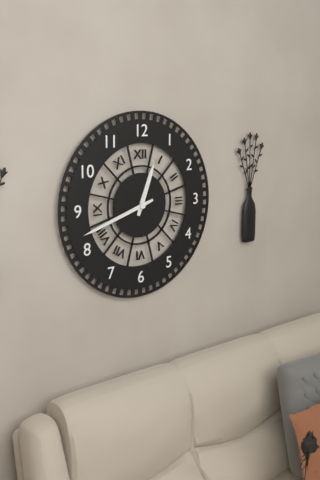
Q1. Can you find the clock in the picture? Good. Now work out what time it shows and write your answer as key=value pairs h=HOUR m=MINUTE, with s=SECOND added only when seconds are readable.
h=12 m=42
